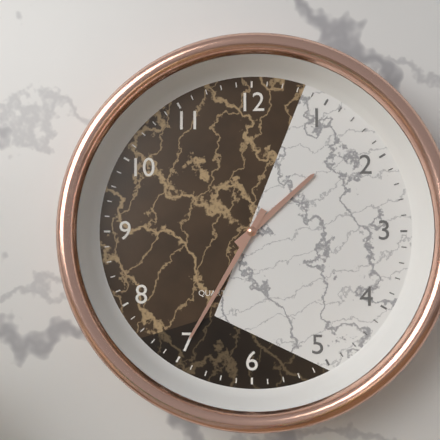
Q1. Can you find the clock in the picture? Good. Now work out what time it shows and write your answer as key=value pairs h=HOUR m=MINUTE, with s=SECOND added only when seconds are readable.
h=1 m=35
